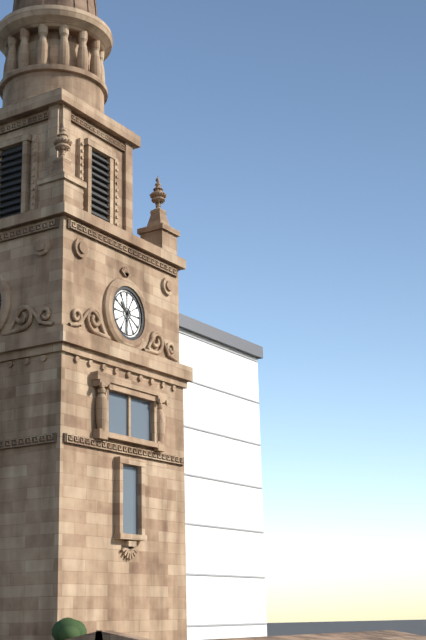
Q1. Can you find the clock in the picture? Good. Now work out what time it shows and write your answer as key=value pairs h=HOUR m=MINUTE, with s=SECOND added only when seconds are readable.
h=10 m=31
